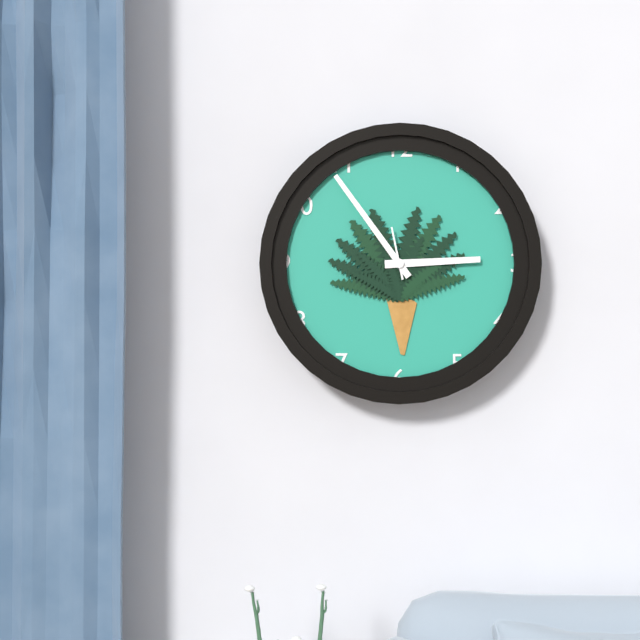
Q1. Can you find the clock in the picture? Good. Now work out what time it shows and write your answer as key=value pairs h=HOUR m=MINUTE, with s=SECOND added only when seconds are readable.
h=2 m=54
